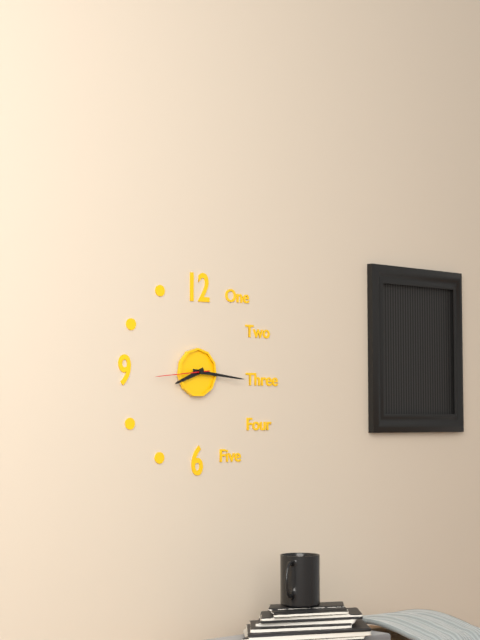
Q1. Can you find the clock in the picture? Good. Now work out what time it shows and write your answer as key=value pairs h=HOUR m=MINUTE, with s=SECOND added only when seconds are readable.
h=8 m=16 s=44
